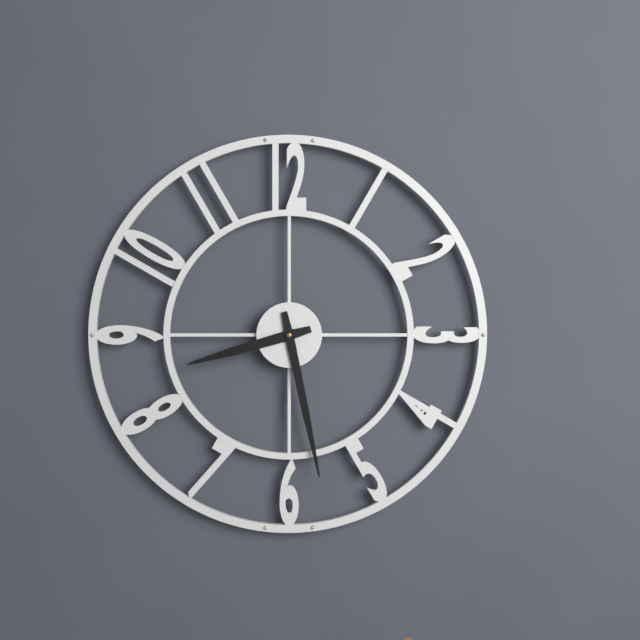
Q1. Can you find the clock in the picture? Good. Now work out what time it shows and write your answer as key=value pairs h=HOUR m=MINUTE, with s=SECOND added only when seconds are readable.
h=8 m=28
